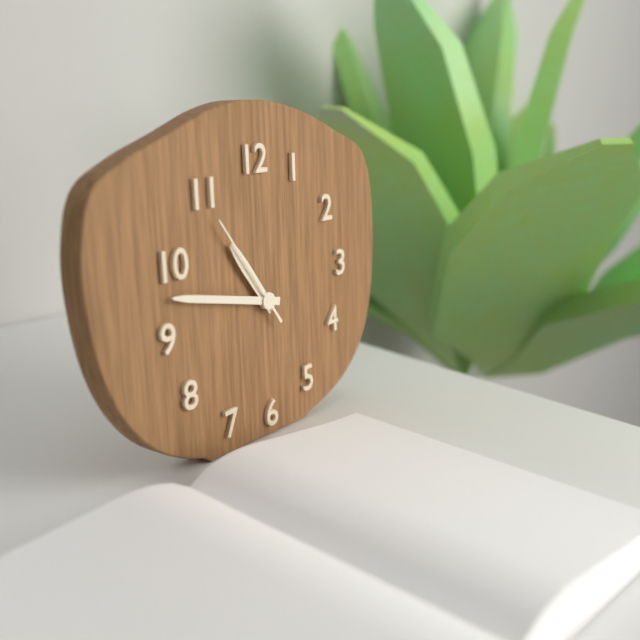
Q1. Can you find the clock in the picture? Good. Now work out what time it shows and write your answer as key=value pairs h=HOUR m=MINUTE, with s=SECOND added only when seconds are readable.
h=10 m=47 s=54
